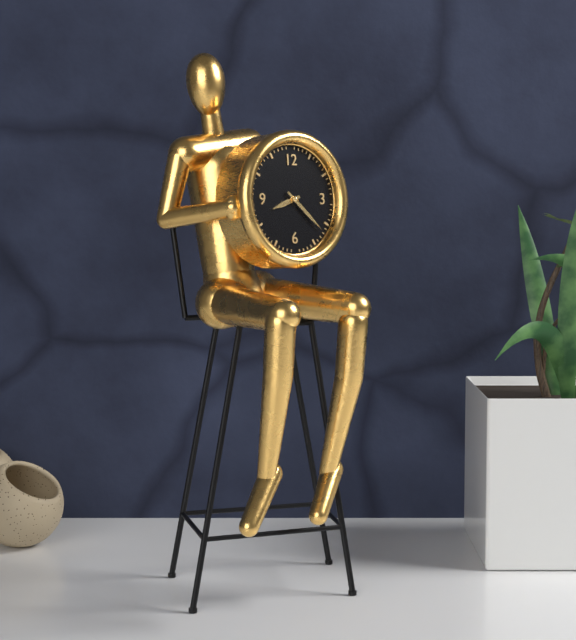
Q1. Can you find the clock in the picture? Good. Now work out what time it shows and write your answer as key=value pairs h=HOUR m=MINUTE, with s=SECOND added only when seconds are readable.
h=8 m=22
